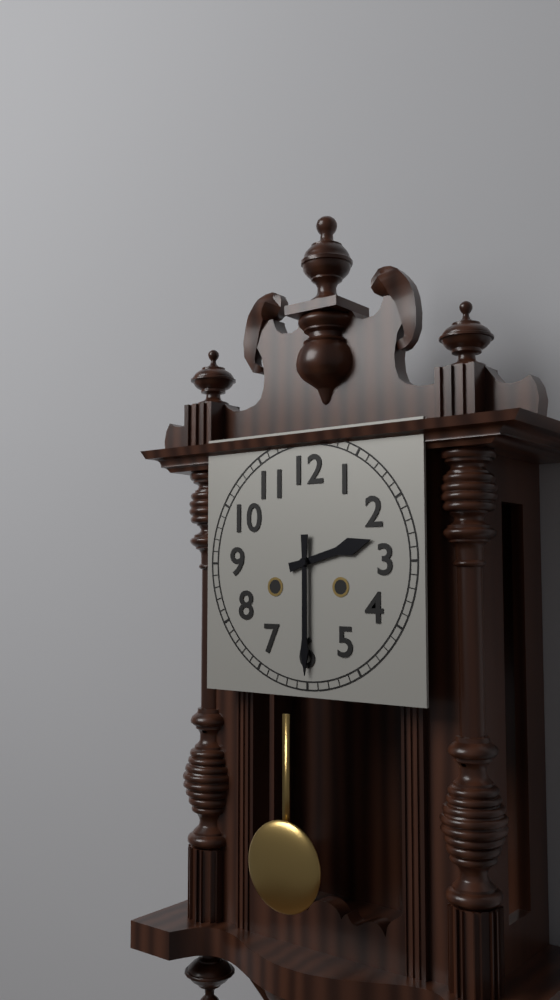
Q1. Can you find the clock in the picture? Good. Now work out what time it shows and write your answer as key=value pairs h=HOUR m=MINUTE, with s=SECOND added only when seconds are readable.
h=2 m=30
